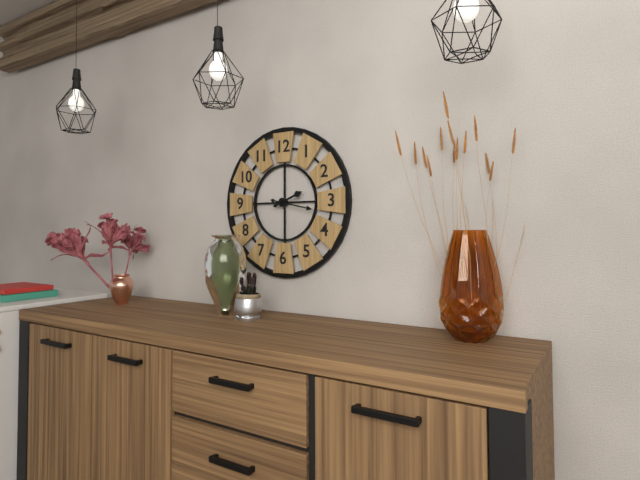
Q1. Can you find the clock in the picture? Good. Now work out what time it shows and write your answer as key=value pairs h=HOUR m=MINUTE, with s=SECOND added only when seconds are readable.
h=2 m=17
